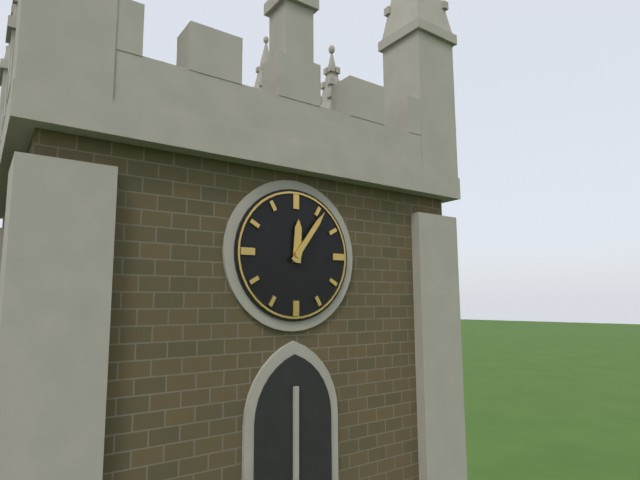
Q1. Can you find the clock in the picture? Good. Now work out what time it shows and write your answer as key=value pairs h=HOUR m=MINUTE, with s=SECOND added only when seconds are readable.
h=12 m=6
